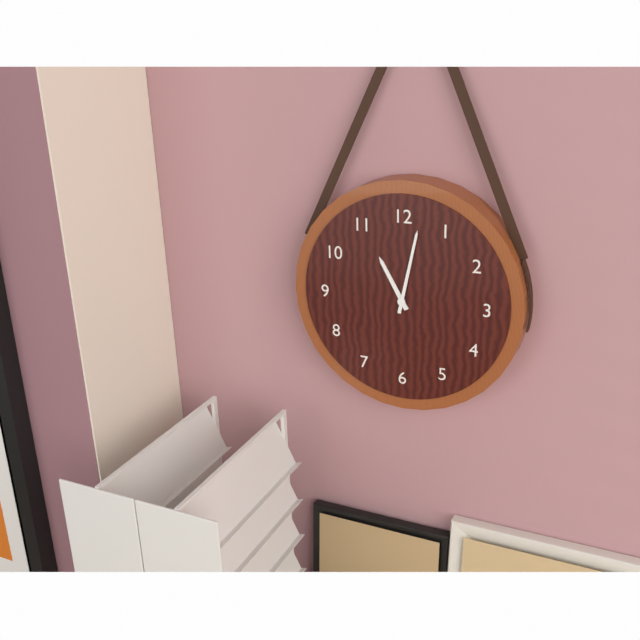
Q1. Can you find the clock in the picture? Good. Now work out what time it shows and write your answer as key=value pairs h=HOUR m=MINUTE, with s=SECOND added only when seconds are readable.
h=11 m=2
